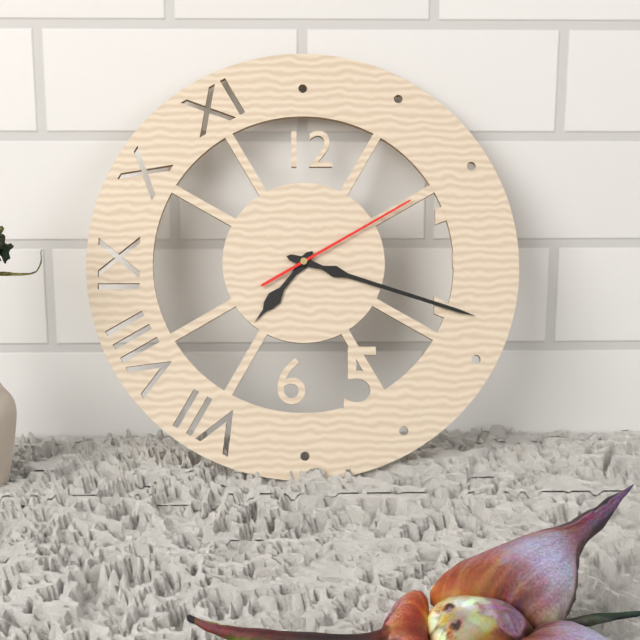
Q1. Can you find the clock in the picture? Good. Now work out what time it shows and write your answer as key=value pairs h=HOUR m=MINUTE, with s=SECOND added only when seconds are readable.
h=7 m=18 s=10
